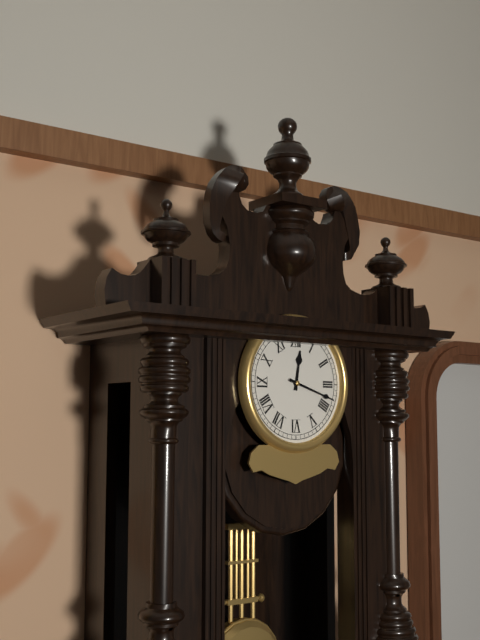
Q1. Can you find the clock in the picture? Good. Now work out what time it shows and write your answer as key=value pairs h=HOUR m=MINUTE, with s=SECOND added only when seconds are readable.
h=12 m=18
